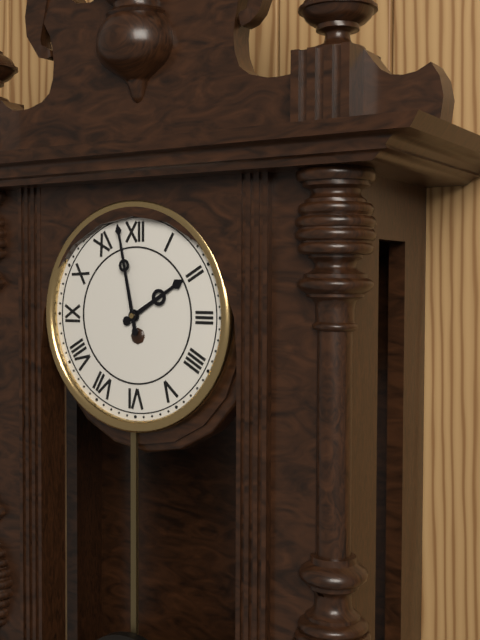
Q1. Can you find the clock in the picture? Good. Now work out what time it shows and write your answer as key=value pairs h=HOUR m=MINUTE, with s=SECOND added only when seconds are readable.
h=1 m=58
